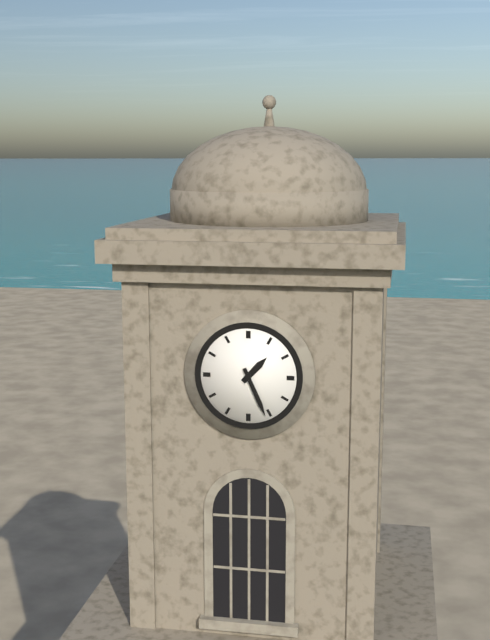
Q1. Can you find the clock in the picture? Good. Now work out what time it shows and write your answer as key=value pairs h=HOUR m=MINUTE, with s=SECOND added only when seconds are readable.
h=1 m=26
